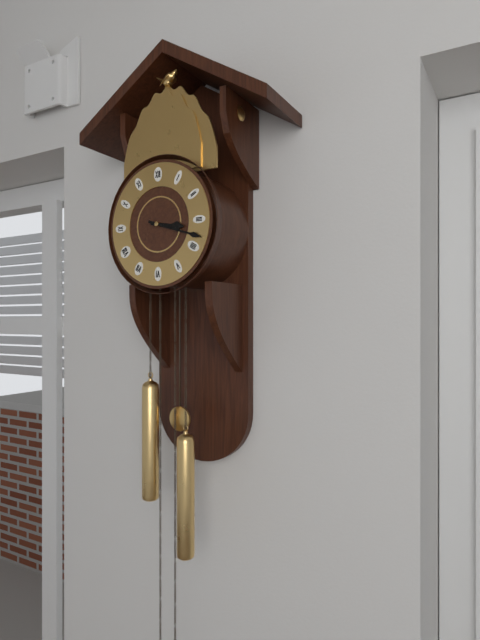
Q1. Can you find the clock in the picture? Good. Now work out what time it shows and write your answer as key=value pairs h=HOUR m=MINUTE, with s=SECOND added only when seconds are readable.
h=3 m=18
